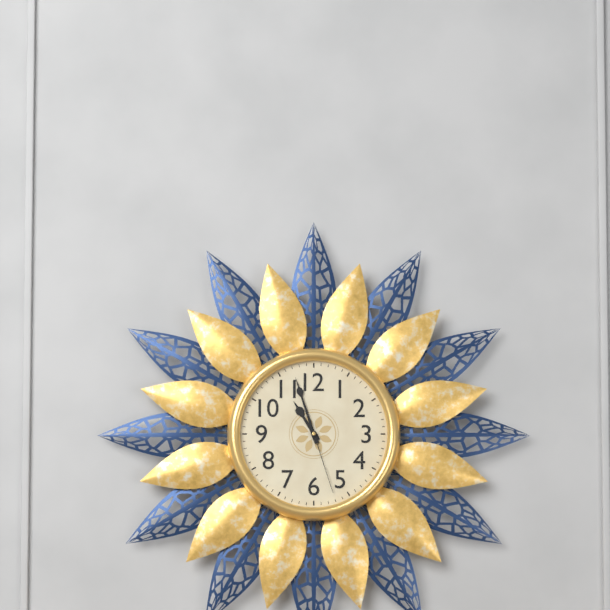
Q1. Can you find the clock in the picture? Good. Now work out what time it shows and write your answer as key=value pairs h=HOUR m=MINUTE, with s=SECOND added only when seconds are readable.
h=10 m=57 s=27
